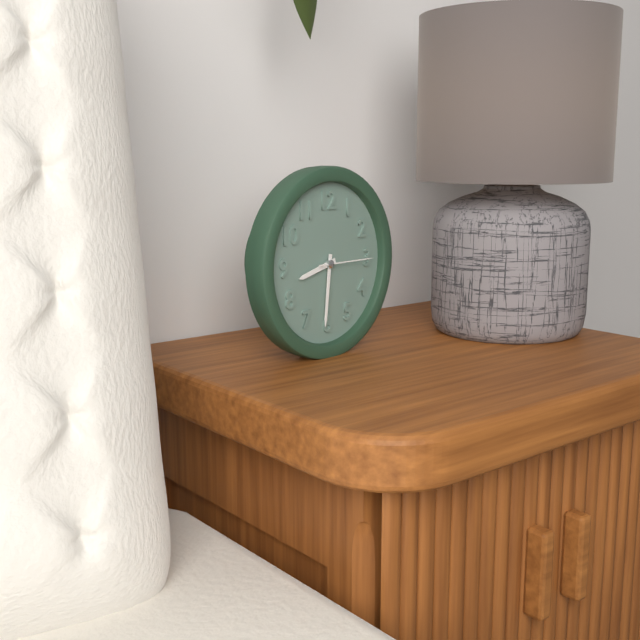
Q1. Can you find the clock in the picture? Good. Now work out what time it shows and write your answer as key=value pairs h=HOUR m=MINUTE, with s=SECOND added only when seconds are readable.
h=8 m=31 s=15
